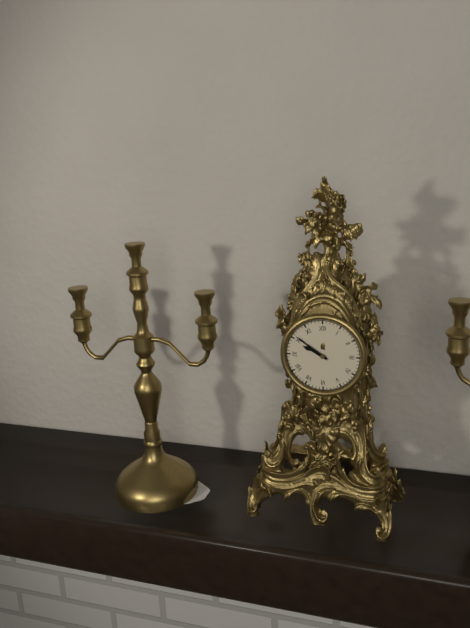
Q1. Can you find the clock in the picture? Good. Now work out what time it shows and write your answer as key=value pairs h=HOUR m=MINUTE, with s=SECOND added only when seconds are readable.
h=9 m=51
